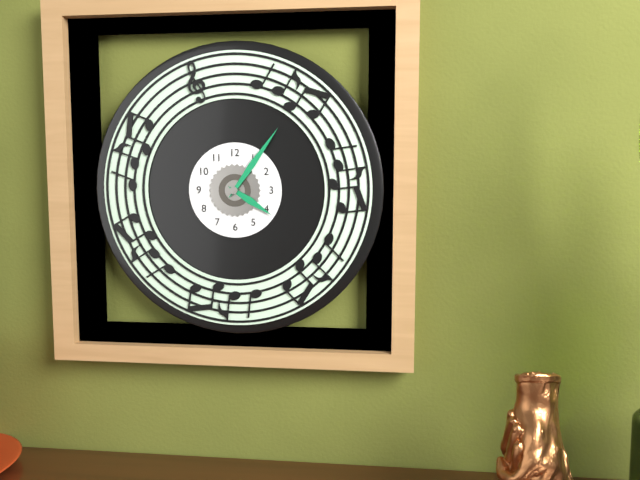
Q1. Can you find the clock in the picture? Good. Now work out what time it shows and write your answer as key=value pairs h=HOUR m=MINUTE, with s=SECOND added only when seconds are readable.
h=4 m=6
